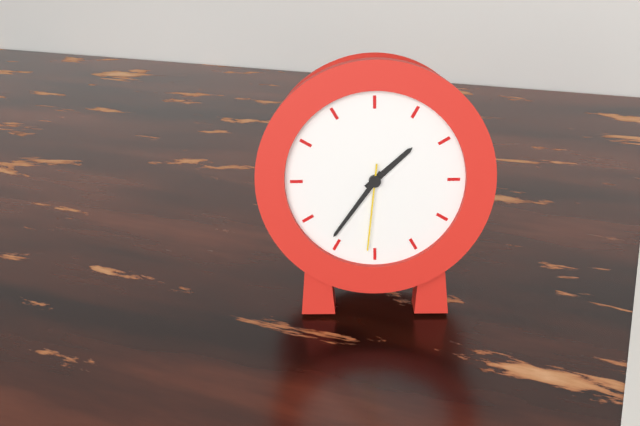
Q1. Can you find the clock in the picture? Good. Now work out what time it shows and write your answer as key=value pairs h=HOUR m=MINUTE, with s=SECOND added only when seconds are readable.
h=1 m=36 s=31
